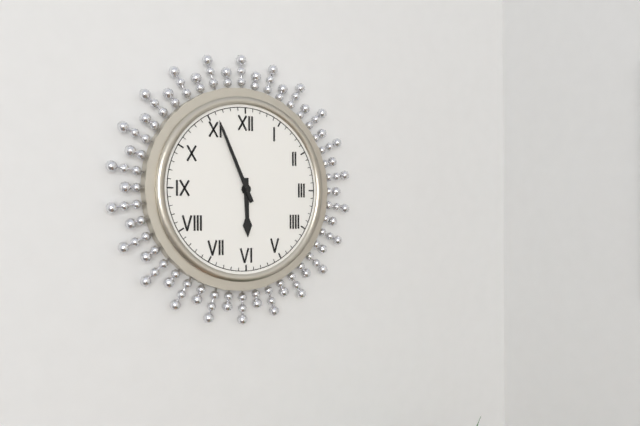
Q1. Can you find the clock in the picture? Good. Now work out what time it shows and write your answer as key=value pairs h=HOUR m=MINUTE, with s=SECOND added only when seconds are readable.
h=5 m=56
